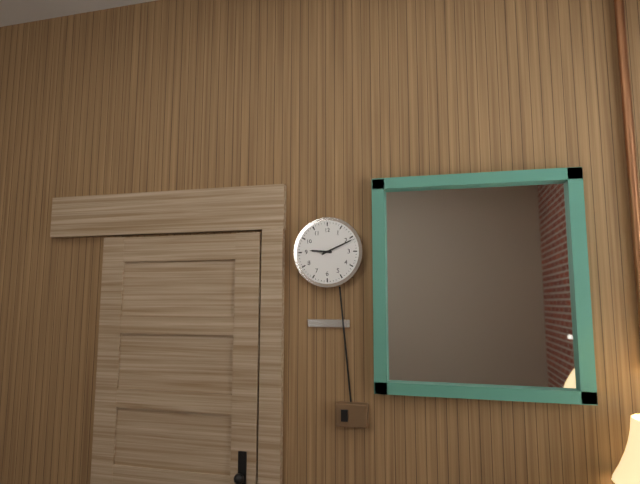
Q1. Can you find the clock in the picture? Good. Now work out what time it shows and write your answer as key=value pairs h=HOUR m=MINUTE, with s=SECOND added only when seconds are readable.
h=9 m=11
